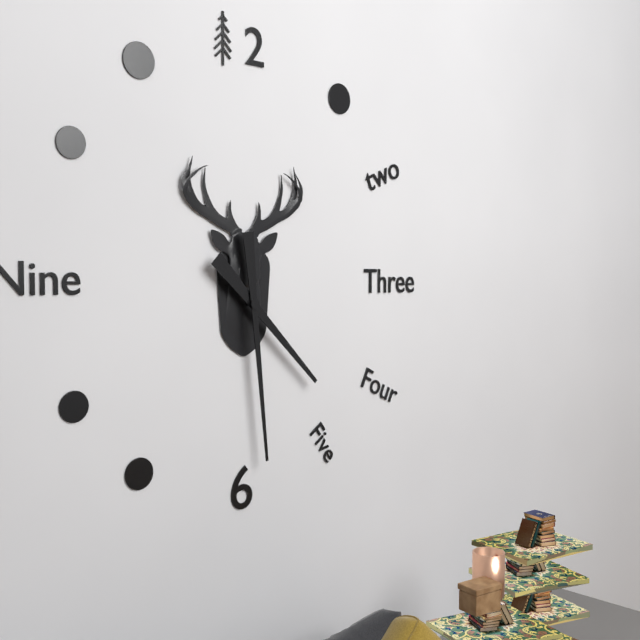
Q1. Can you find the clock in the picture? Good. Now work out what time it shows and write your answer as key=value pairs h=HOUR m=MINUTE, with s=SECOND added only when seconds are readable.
h=4 m=29
